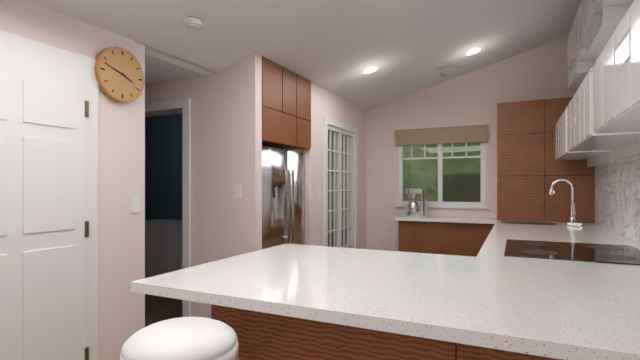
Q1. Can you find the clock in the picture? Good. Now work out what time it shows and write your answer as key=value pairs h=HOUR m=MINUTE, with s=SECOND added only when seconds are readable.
h=3 m=48
